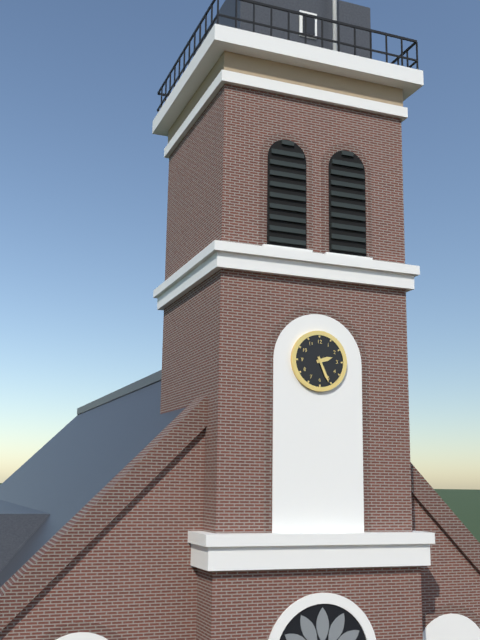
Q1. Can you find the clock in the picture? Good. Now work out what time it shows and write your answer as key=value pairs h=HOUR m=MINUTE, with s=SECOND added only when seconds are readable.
h=2 m=26
